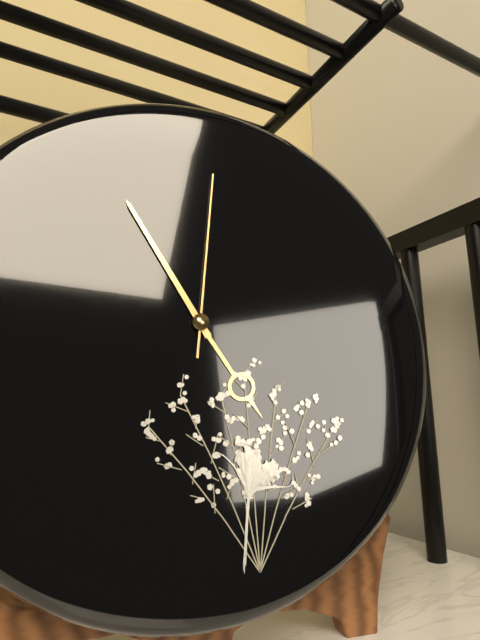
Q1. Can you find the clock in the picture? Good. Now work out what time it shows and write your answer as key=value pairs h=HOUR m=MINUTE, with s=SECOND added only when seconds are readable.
h=4 m=55 s=1
